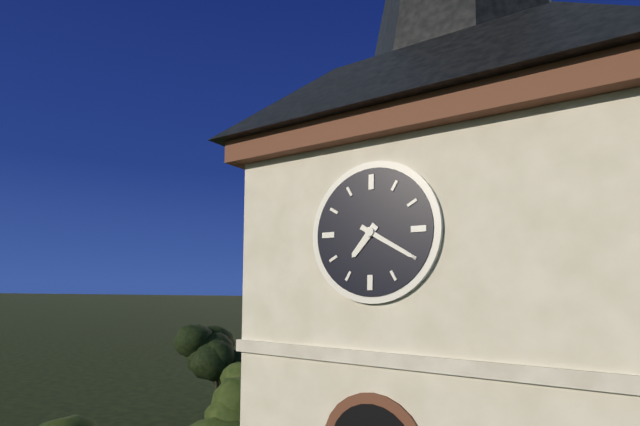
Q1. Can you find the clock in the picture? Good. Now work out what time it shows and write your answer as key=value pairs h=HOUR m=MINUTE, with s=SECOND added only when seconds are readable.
h=7 m=20
